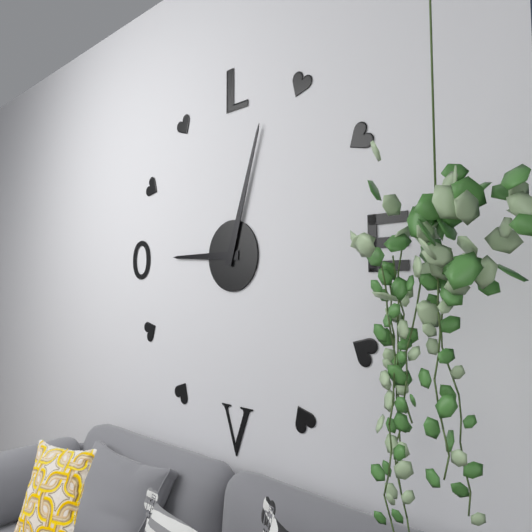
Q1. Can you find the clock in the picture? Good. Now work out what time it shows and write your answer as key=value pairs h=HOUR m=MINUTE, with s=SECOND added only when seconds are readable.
h=9 m=3
